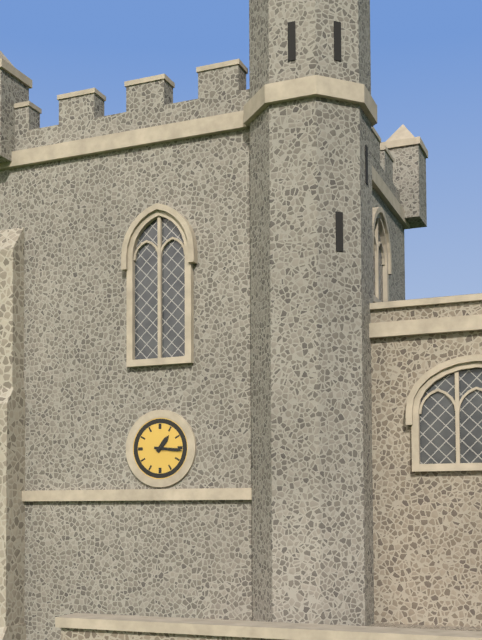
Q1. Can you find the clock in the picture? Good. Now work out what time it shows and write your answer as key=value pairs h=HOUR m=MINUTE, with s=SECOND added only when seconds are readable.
h=1 m=16
